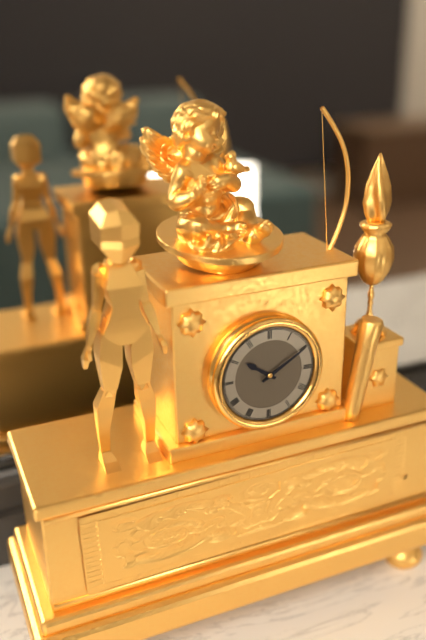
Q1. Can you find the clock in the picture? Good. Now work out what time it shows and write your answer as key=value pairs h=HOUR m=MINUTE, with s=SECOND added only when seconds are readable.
h=10 m=10
